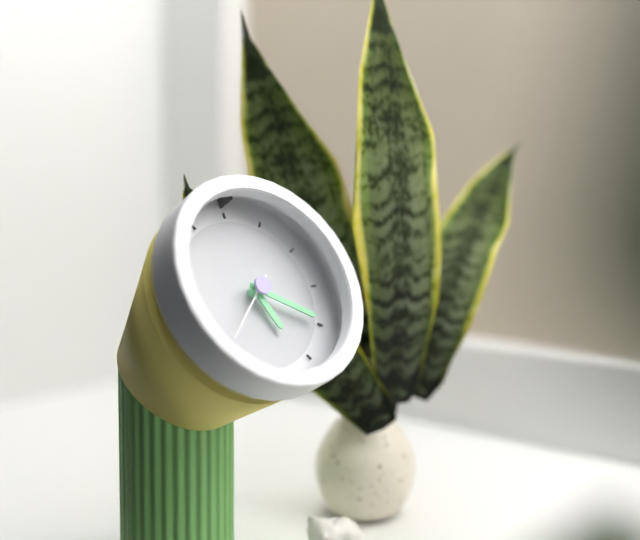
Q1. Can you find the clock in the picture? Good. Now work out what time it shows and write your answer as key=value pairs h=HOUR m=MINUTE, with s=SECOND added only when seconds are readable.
h=5 m=20 s=38
